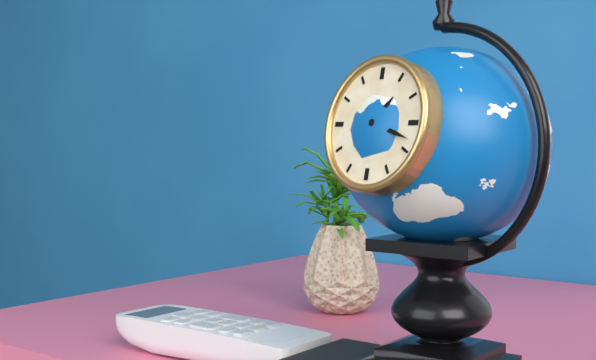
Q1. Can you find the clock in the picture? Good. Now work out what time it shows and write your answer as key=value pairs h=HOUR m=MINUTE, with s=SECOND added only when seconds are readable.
h=1 m=18
